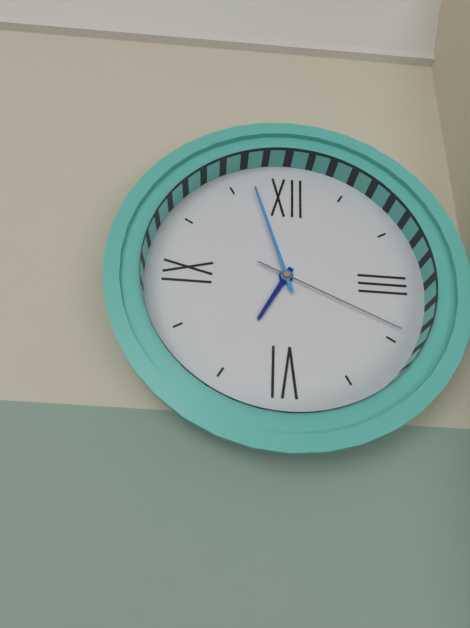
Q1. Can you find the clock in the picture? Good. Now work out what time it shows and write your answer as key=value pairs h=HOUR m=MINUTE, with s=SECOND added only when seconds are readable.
h=6 m=57 s=19
